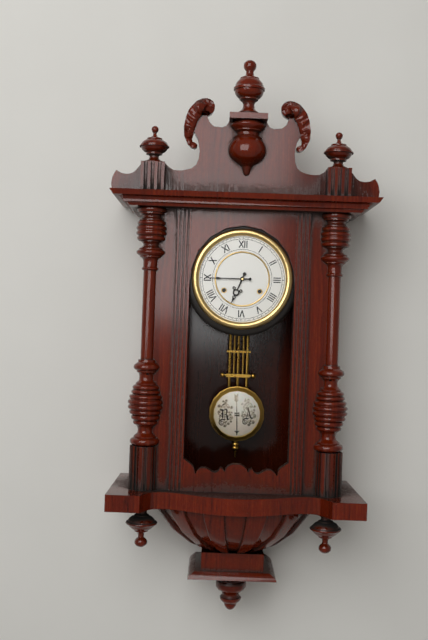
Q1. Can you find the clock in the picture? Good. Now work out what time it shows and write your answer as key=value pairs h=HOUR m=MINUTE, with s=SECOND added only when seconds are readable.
h=6 m=45
